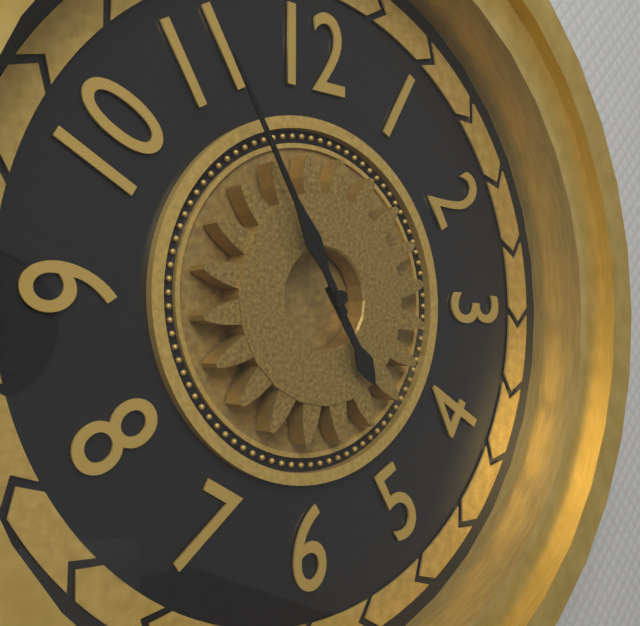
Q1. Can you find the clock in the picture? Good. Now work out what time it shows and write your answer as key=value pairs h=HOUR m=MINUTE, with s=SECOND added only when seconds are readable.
h=4 m=55
